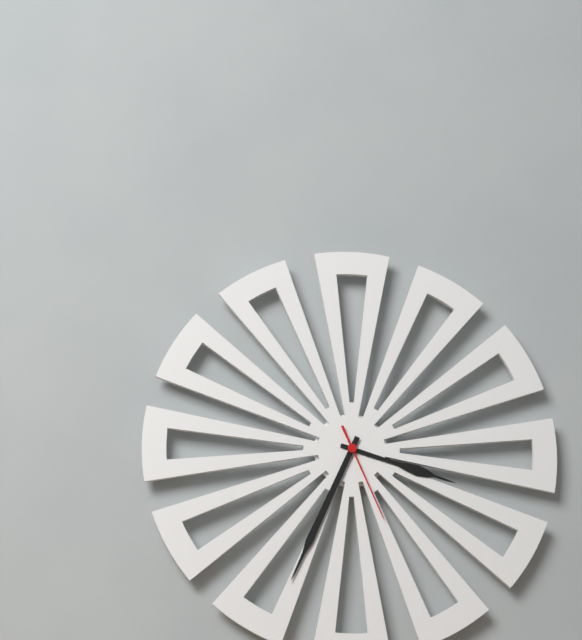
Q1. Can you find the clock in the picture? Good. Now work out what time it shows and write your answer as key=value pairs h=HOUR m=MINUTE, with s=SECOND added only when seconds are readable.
h=3 m=34 s=26
